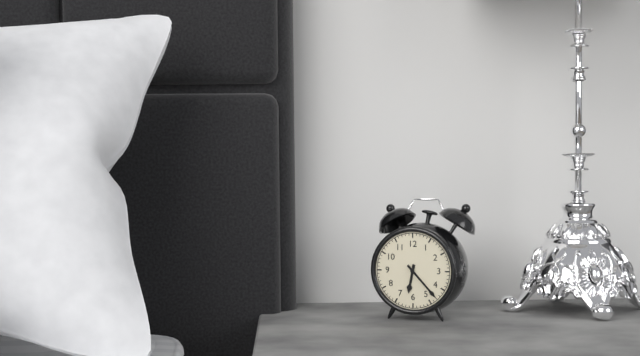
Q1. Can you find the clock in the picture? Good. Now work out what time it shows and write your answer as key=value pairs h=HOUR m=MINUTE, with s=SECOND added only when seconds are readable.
h=6 m=23
